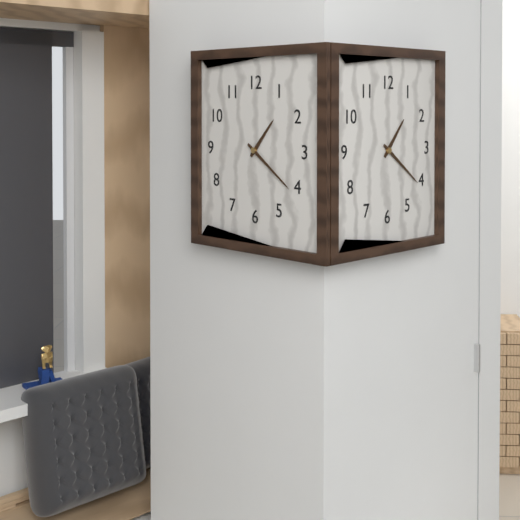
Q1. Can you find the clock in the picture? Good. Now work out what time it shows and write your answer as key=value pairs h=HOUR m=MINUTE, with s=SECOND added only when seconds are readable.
h=1 m=21
